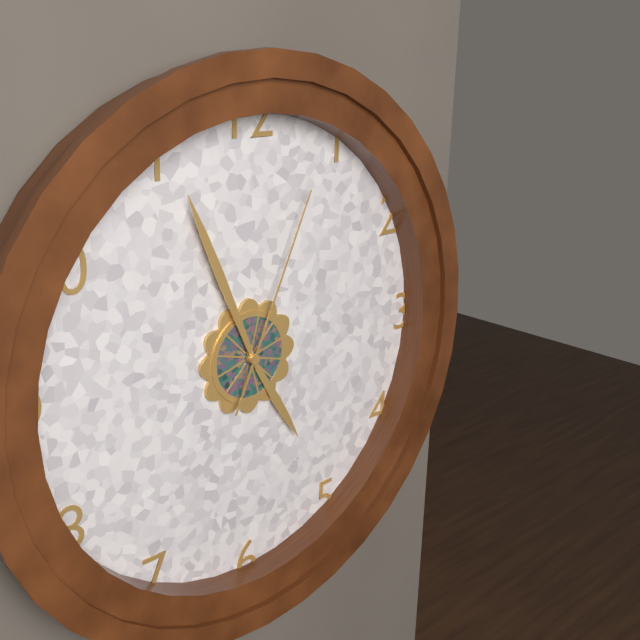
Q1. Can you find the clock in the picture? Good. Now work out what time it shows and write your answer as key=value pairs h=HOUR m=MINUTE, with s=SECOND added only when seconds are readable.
h=4 m=56 s=4
